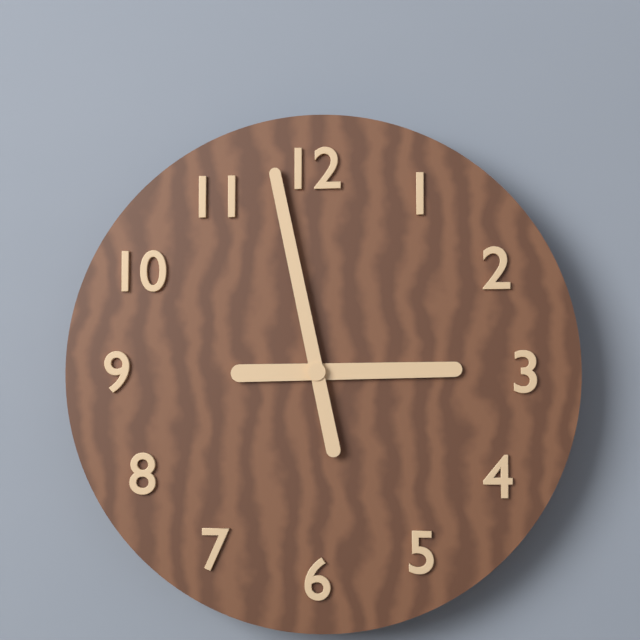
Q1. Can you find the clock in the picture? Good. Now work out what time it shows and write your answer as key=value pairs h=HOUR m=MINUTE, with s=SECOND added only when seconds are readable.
h=2 m=58
